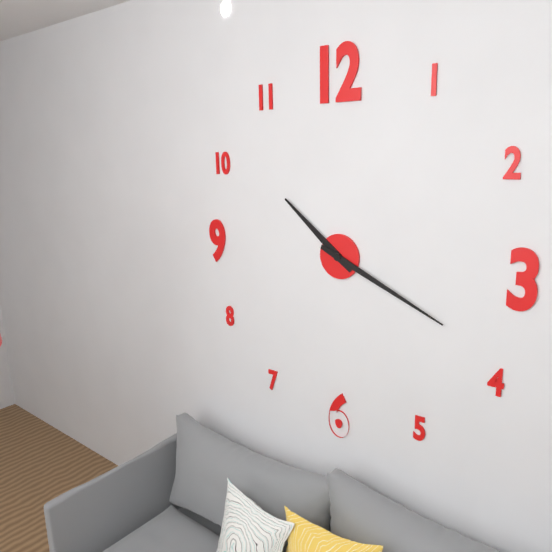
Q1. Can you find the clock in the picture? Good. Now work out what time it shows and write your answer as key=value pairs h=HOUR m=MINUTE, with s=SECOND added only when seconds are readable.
h=10 m=19
